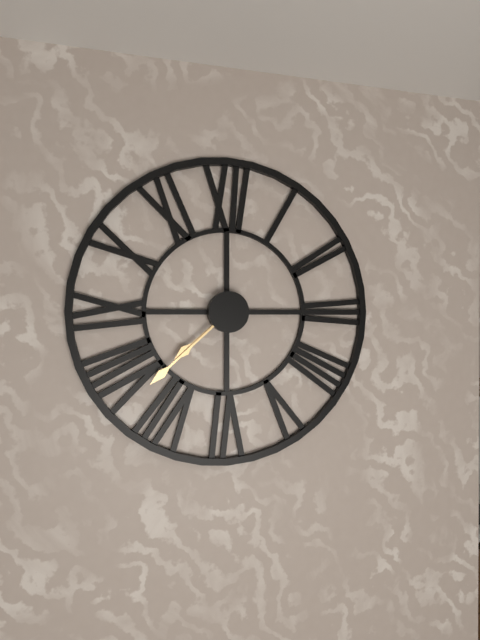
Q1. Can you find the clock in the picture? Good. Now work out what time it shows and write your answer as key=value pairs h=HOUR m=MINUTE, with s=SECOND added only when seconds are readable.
h=7 m=38
